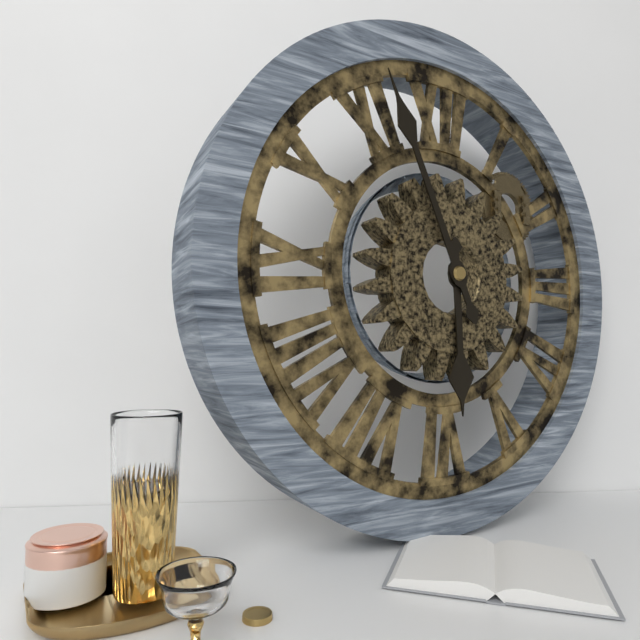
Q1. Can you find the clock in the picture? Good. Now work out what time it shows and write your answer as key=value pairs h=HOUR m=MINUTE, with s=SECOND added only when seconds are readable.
h=5 m=56
